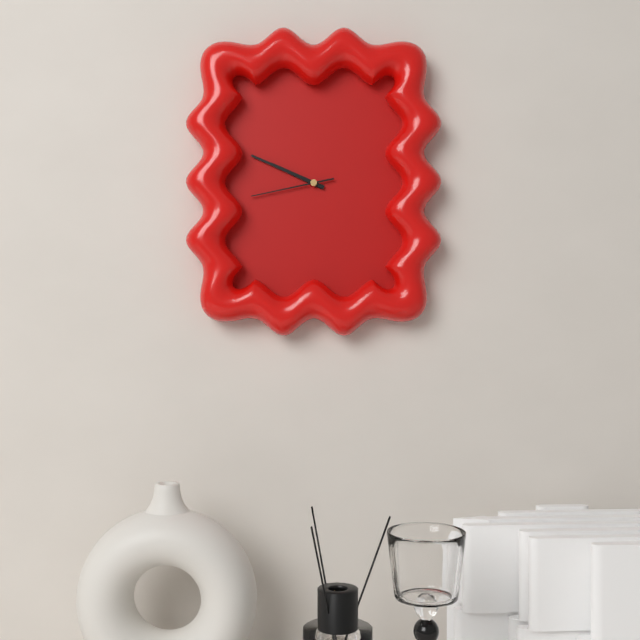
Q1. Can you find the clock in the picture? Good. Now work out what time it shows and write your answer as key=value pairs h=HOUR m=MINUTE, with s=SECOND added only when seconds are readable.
h=9 m=49 s=43
